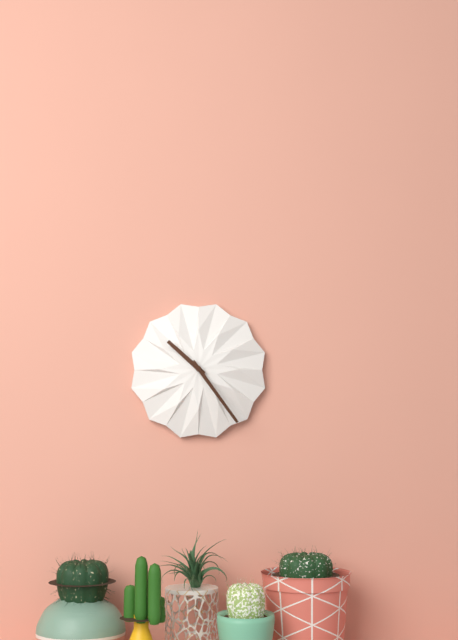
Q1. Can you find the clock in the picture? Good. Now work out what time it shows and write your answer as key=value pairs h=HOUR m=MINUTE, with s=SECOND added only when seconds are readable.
h=10 m=24
